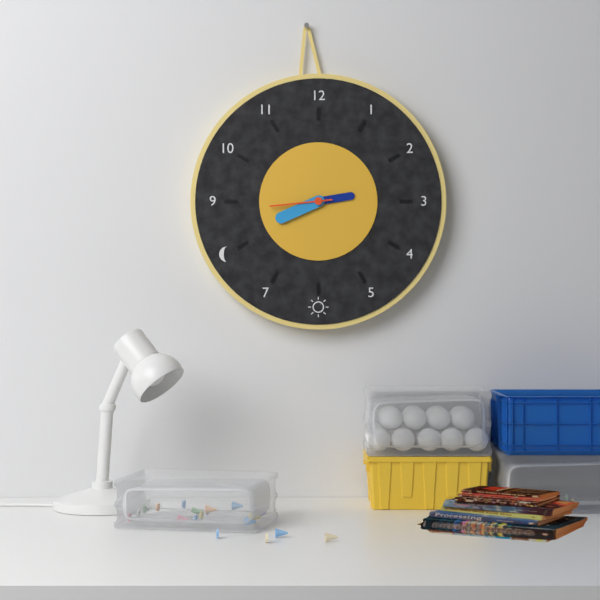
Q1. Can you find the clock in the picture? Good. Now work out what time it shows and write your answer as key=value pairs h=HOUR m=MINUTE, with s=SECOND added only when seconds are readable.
h=2 m=41 s=44
